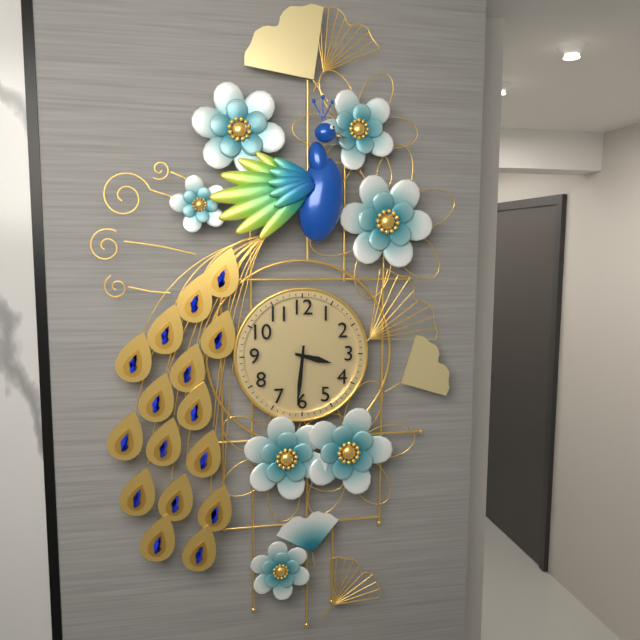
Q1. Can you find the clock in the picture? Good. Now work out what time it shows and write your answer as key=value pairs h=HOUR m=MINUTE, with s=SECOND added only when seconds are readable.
h=3 m=31
